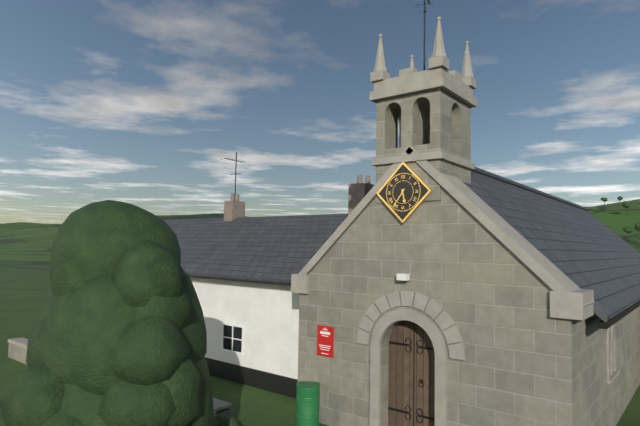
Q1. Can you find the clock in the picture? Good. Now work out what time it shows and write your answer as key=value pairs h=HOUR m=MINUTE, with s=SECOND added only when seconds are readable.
h=5 m=36
